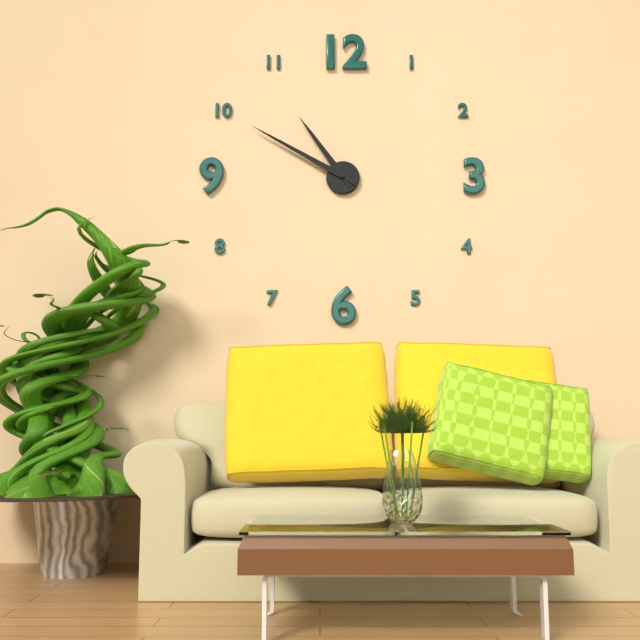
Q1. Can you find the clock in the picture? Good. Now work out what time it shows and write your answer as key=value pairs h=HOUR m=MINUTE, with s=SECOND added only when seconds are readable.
h=10 m=50
